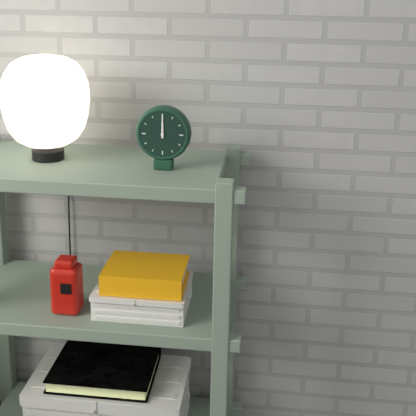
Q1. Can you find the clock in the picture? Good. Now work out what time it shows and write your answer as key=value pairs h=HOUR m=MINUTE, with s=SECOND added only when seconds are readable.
h=12 m=0
